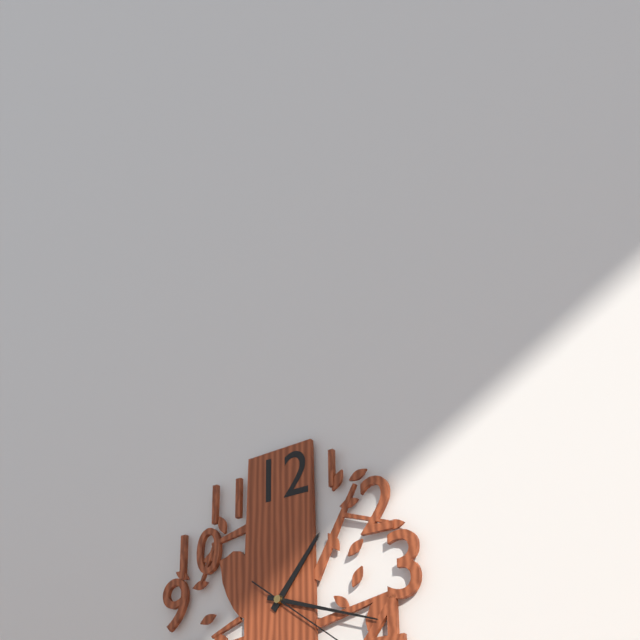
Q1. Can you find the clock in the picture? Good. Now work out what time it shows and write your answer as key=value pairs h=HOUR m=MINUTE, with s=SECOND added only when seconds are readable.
h=1 m=18
